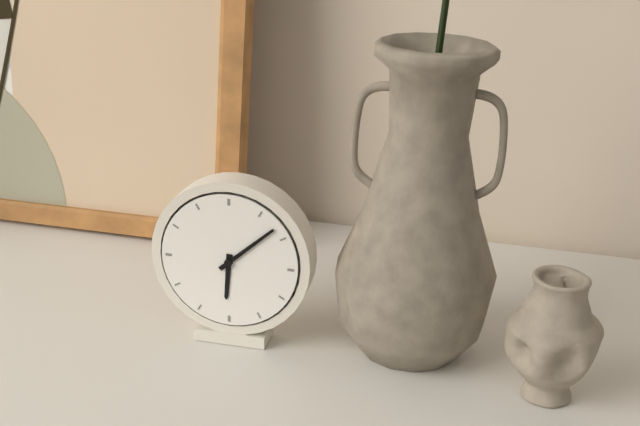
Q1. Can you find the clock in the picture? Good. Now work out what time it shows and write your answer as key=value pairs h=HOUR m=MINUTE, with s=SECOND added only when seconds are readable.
h=6 m=8
